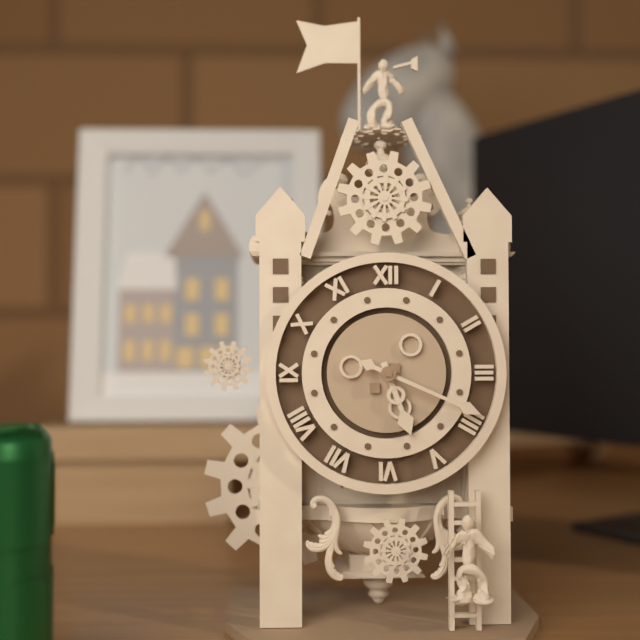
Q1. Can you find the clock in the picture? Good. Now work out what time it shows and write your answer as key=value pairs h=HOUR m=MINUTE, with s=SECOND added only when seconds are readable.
h=5 m=19
